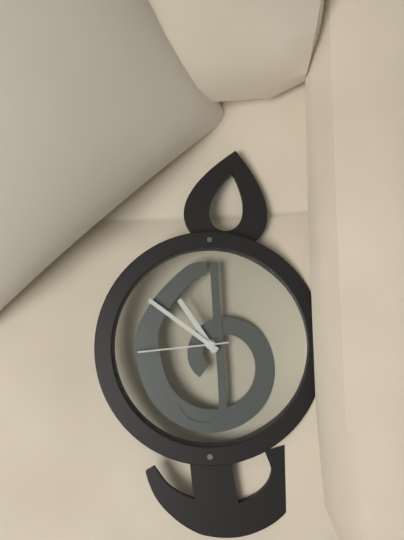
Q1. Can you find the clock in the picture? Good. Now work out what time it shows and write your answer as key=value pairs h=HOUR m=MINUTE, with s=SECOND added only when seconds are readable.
h=10 m=51 s=44
